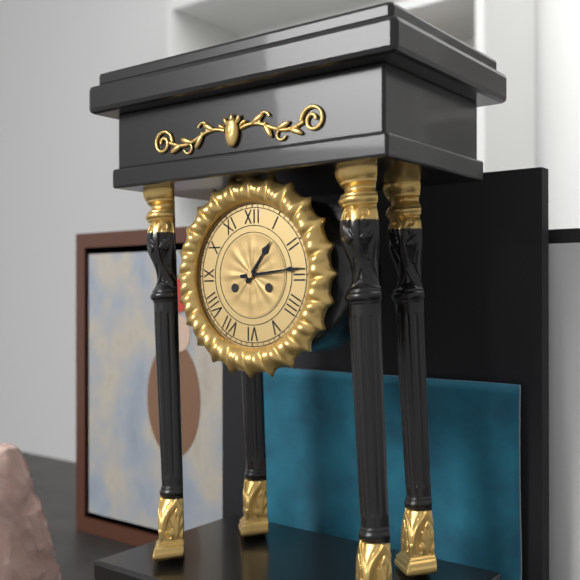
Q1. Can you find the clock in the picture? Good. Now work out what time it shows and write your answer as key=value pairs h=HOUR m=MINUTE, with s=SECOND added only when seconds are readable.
h=1 m=14
